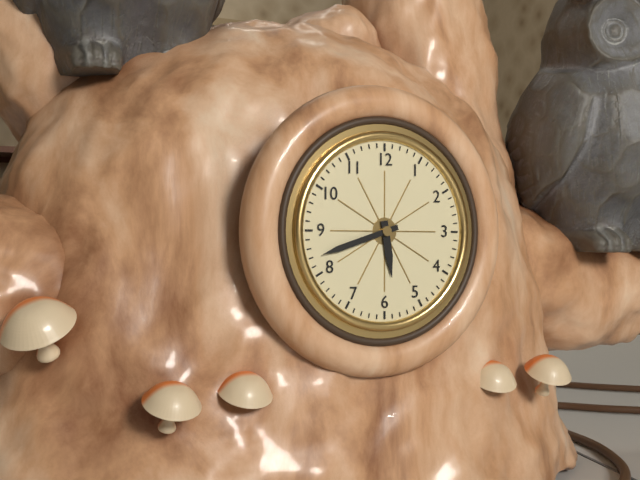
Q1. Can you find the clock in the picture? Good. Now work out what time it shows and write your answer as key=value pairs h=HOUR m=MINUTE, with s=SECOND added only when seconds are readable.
h=5 m=42
